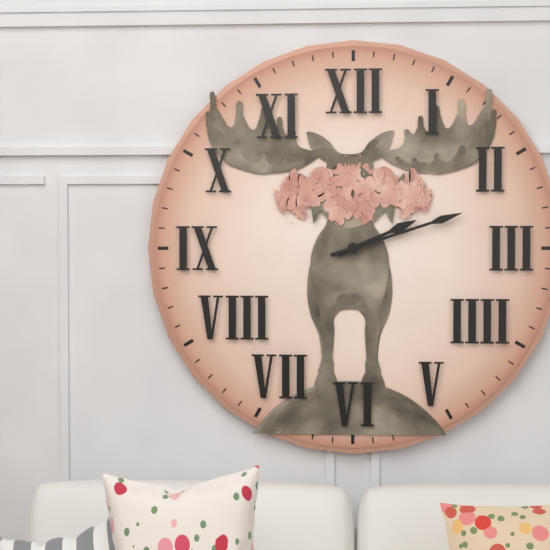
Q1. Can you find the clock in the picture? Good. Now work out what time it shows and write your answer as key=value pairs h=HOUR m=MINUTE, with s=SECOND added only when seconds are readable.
h=2 m=12
